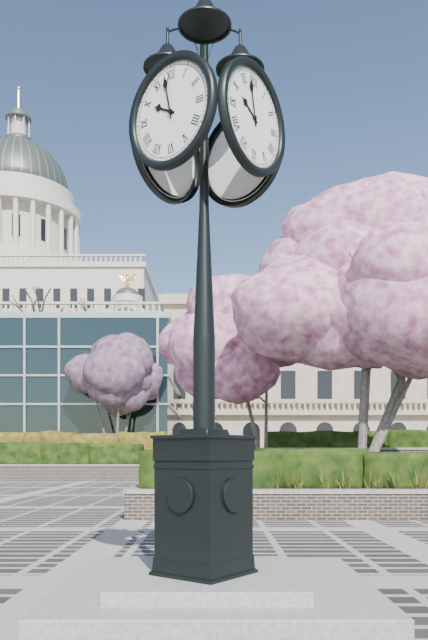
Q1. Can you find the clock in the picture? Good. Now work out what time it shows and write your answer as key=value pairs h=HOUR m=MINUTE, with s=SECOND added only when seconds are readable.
h=9 m=58
